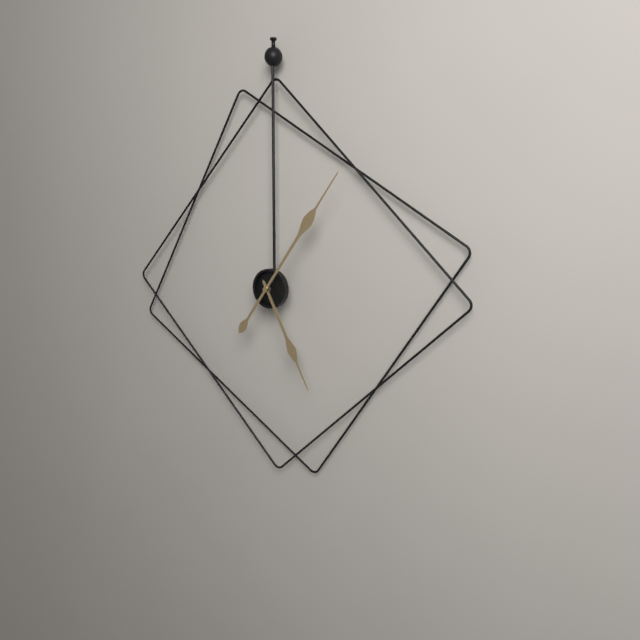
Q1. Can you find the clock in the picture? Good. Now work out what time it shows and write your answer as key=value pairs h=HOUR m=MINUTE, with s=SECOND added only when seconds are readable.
h=5 m=6
